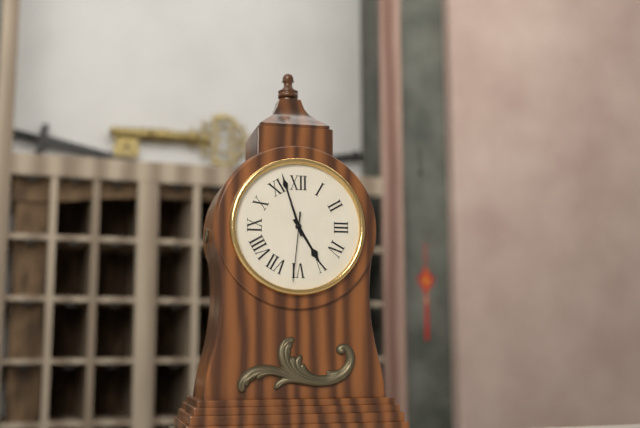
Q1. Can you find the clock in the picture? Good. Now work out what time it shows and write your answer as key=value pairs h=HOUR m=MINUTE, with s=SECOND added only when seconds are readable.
h=4 m=57 s=31
